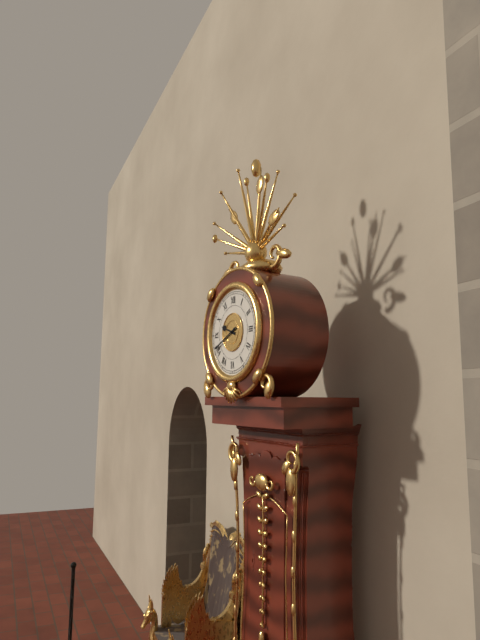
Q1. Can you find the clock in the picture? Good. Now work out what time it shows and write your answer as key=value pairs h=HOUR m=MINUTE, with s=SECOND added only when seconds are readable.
h=9 m=41
